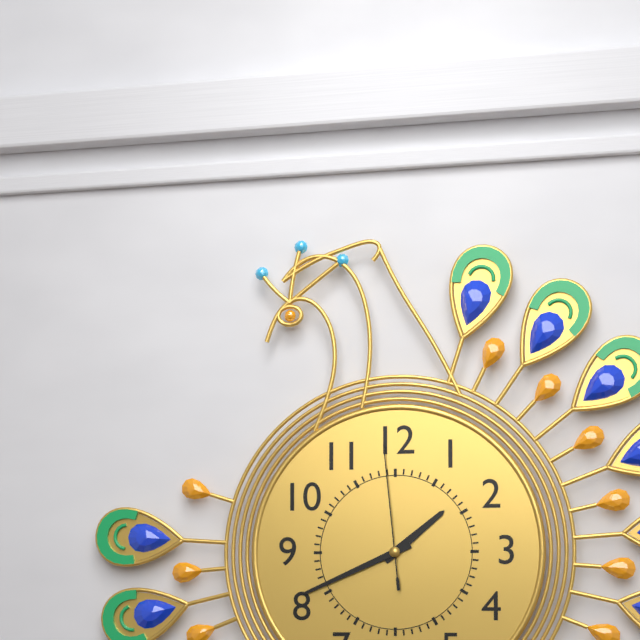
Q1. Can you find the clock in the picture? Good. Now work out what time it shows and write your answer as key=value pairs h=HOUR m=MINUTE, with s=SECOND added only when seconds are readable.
h=1 m=41 s=59
